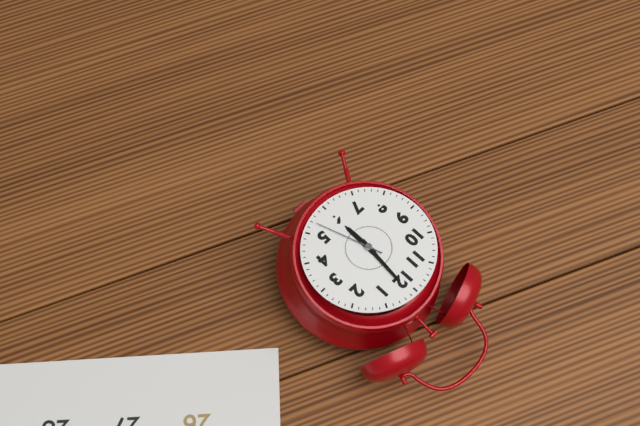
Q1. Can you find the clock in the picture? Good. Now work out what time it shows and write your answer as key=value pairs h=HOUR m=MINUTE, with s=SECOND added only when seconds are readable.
h=6 m=1 s=27
